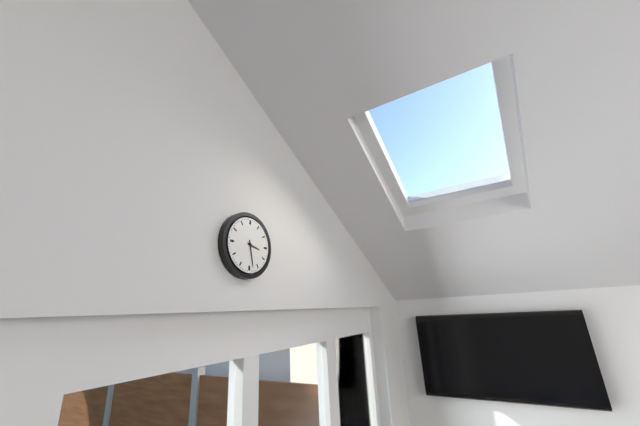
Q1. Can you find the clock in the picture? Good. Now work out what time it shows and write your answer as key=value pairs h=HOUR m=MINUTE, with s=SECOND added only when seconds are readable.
h=3 m=28
